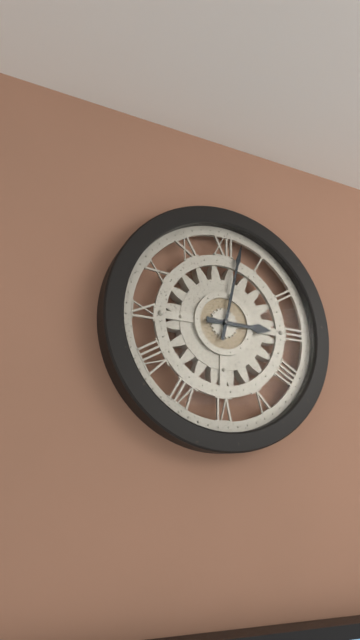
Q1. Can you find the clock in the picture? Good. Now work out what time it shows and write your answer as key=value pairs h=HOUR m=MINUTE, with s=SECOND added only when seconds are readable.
h=3 m=2
